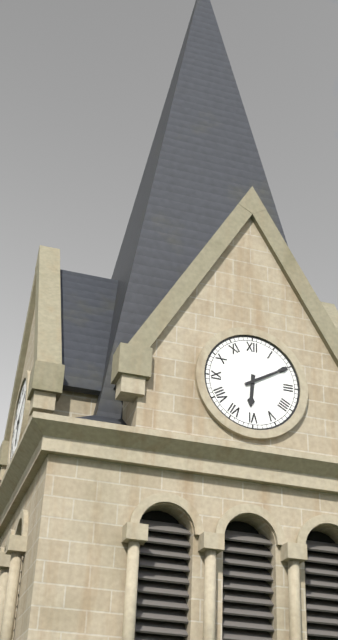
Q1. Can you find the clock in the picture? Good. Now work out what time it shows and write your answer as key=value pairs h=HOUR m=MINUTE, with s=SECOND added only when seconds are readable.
h=6 m=10
